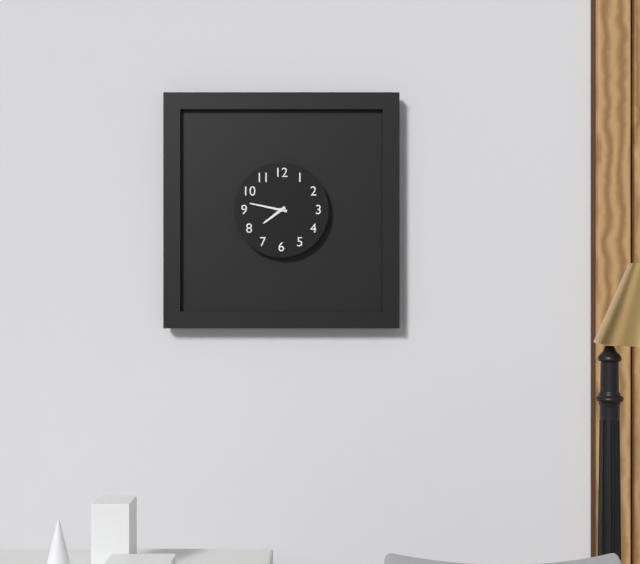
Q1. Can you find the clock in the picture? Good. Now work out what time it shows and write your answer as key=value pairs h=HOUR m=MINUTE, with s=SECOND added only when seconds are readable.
h=7 m=47
